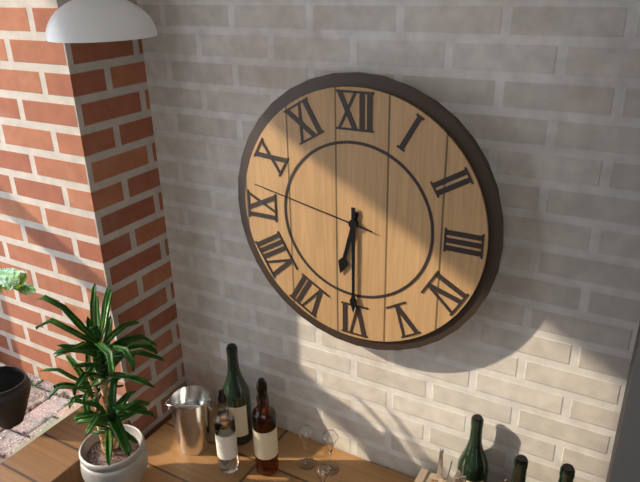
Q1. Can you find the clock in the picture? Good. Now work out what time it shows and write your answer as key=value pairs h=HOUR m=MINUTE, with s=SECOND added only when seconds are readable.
h=6 m=30 s=47
